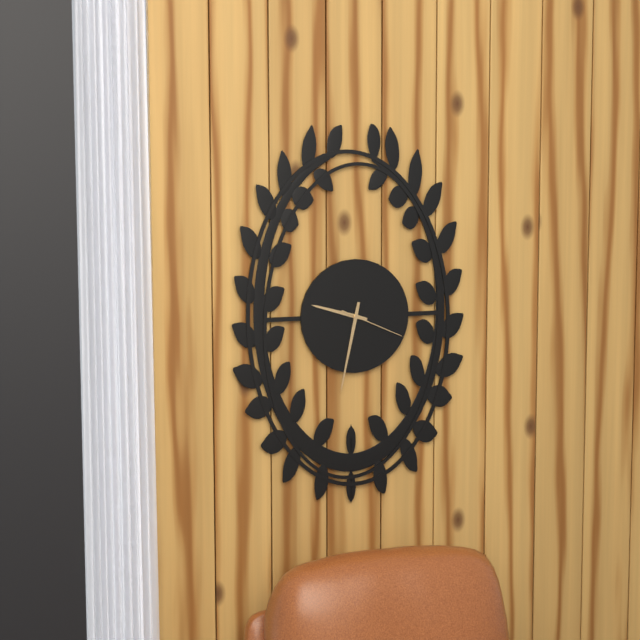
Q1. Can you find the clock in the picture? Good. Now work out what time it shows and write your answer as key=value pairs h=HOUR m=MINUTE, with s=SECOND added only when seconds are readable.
h=9 m=32 s=19
